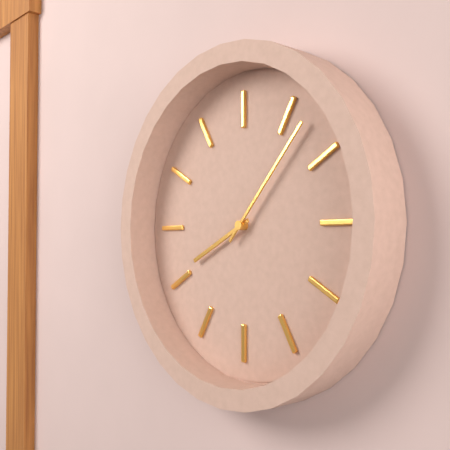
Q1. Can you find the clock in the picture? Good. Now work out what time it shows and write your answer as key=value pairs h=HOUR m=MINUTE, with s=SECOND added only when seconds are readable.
h=8 m=7
